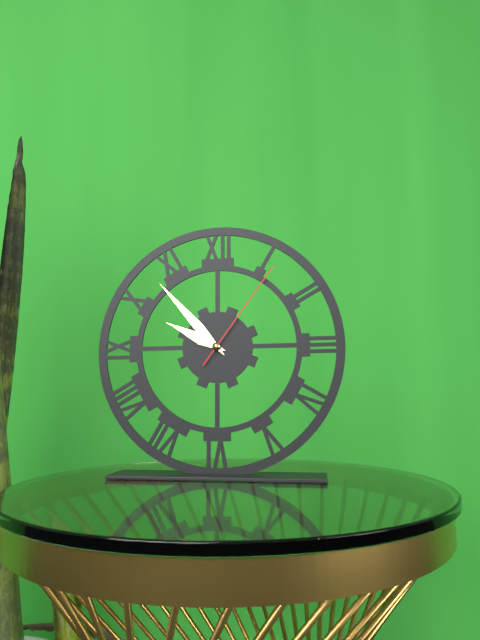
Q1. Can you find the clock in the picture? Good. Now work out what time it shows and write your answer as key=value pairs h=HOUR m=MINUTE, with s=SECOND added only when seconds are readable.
h=9 m=53 s=6
